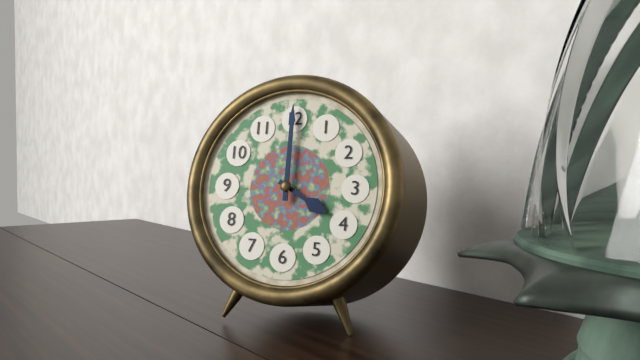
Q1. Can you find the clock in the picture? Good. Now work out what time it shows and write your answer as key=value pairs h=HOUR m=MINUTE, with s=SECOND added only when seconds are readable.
h=4 m=0
